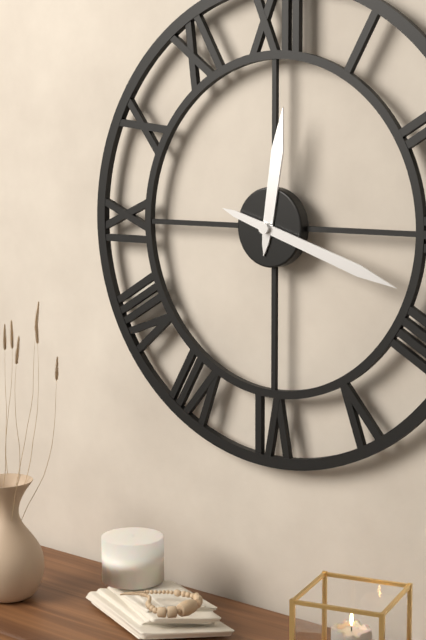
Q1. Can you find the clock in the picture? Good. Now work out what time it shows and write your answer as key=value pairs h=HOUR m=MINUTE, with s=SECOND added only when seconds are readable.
h=12 m=18
